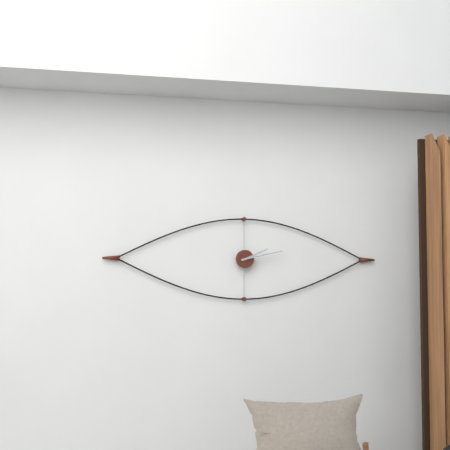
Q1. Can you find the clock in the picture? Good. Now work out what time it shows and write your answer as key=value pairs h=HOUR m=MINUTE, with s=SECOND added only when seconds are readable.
h=2 m=13
